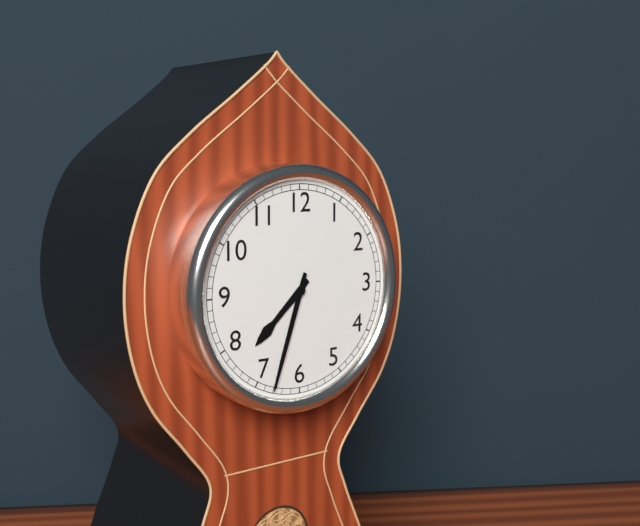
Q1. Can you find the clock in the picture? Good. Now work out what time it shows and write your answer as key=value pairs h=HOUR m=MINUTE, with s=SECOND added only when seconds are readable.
h=7 m=33
